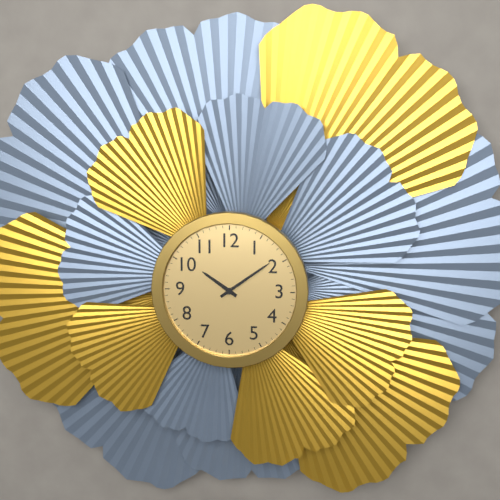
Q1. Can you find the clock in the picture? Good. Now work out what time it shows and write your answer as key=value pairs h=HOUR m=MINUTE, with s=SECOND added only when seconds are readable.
h=10 m=9
